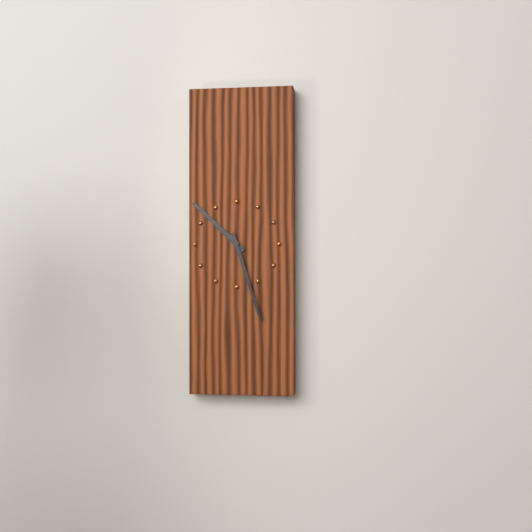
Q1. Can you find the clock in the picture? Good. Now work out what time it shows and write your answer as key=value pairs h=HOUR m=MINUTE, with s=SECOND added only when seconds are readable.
h=10 m=27
